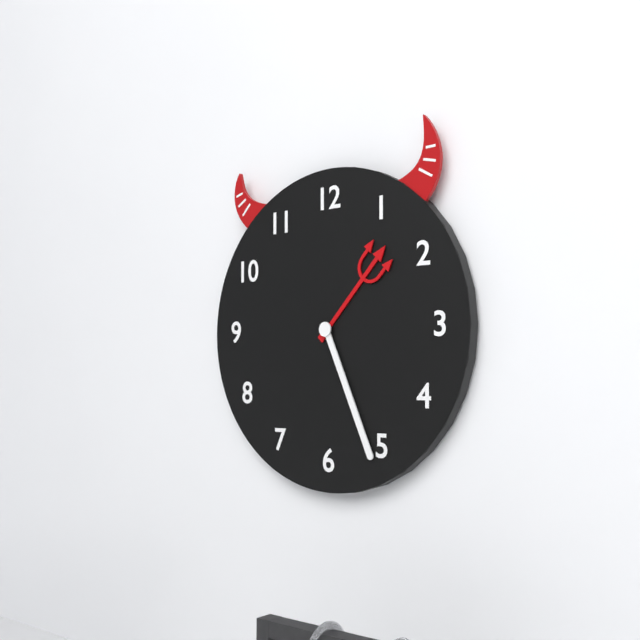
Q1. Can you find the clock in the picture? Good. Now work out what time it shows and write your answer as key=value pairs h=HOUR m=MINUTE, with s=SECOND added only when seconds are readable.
h=1 m=26
